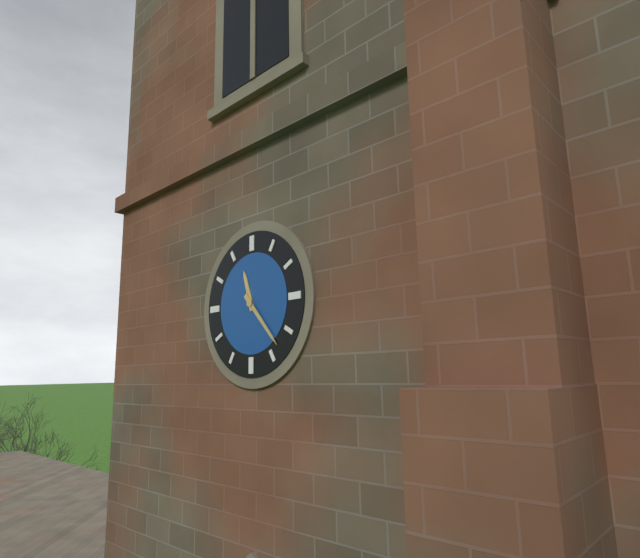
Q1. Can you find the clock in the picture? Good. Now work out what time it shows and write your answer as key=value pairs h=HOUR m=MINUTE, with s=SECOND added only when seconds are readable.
h=11 m=23
